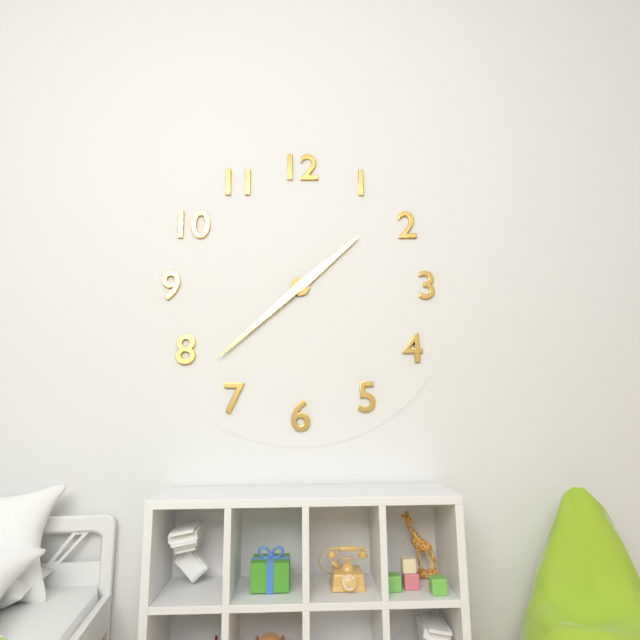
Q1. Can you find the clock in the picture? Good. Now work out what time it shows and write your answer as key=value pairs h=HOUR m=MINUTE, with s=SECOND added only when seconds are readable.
h=1 m=38
